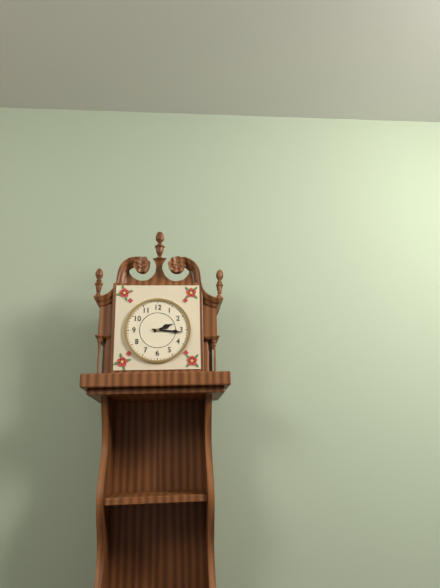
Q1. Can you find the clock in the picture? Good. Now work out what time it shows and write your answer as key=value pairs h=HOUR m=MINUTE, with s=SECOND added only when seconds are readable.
h=2 m=16
